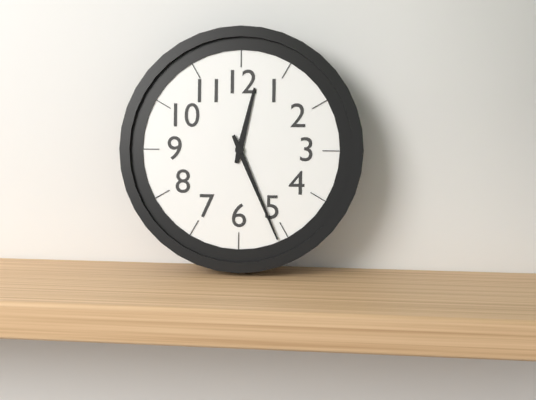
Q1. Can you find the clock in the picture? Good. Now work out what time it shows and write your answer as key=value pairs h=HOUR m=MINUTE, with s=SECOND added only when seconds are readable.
h=12 m=26
